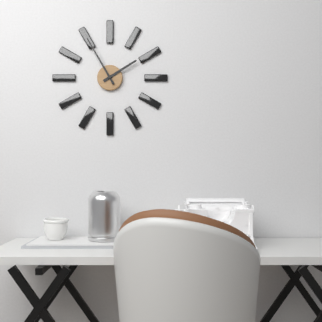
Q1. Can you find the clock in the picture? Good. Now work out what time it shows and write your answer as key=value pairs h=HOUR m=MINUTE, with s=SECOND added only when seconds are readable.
h=1 m=55
